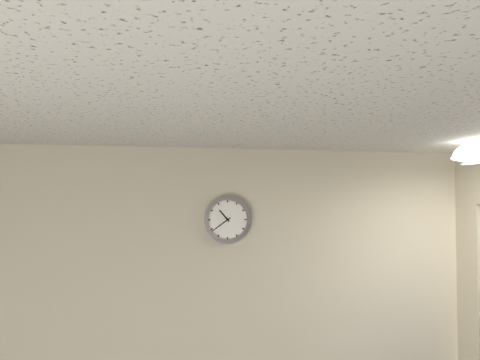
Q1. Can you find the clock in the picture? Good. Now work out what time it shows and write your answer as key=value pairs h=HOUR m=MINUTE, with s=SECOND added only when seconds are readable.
h=10 m=39
